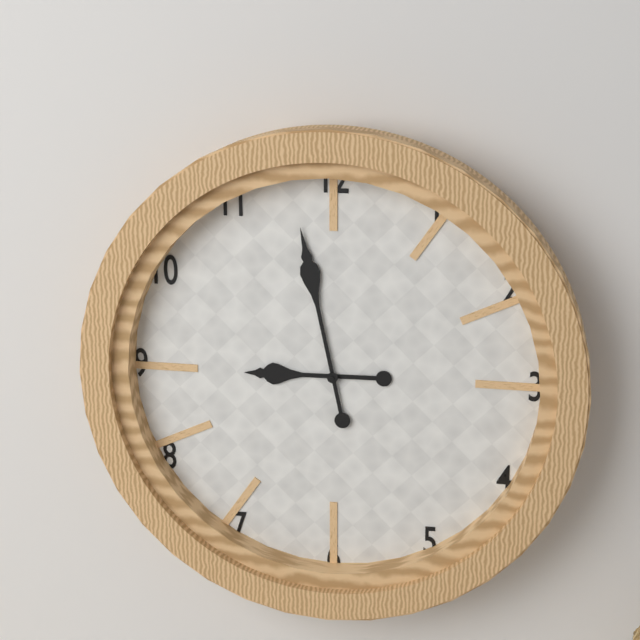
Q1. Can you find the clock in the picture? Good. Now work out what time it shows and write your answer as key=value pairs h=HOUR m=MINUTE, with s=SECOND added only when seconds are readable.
h=8 m=58
